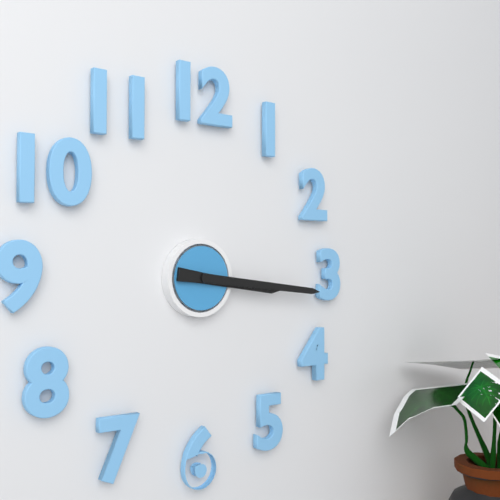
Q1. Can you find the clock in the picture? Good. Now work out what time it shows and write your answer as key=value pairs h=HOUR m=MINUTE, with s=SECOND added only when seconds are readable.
h=3 m=16
